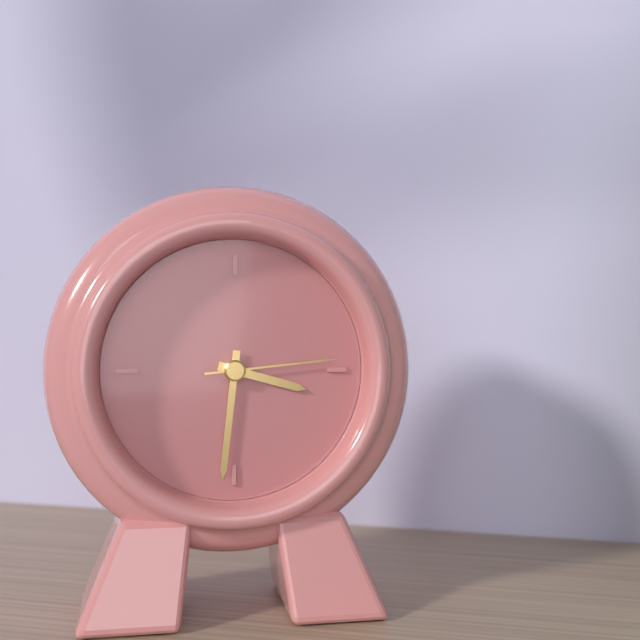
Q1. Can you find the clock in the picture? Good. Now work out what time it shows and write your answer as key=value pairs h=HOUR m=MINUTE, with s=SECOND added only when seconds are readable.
h=3 m=31 s=14
